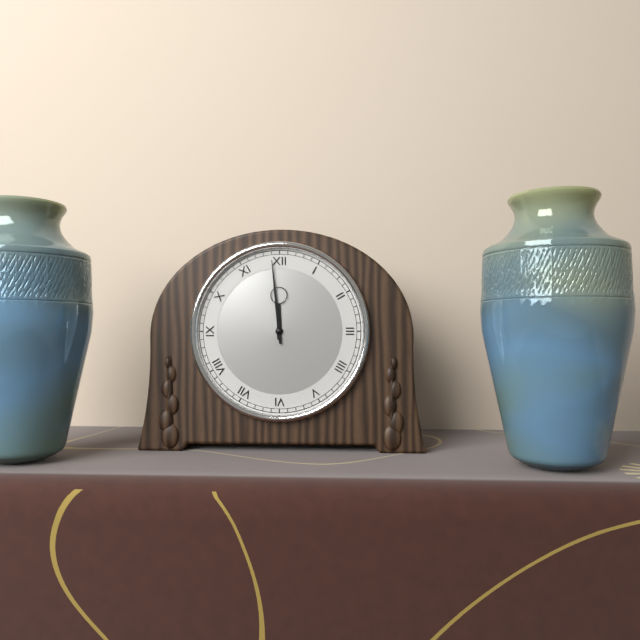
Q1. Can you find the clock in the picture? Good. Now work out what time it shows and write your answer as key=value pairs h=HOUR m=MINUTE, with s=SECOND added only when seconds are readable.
h=11 m=59
